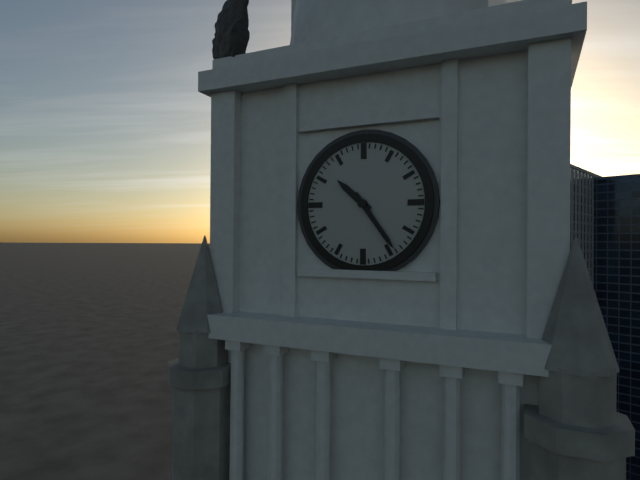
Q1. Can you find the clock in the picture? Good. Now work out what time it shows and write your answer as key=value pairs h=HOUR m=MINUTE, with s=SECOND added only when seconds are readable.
h=10 m=24
